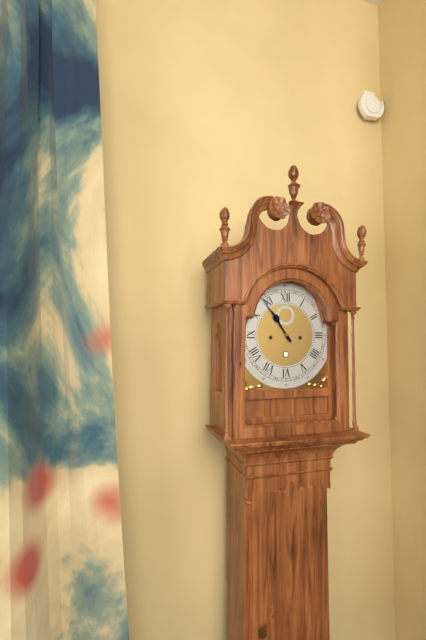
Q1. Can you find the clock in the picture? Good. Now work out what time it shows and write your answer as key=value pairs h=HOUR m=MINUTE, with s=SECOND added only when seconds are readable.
h=10 m=54
